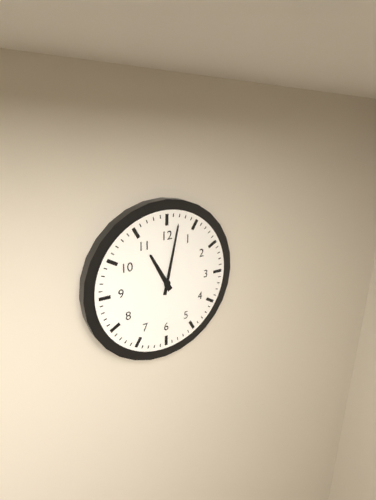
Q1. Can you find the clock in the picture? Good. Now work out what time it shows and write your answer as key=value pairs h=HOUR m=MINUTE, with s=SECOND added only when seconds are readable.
h=11 m=2
